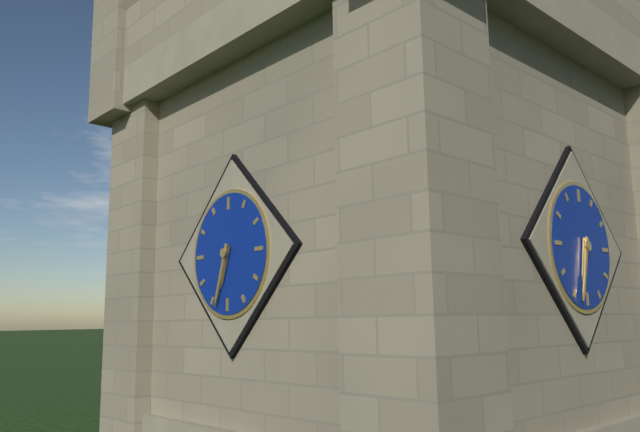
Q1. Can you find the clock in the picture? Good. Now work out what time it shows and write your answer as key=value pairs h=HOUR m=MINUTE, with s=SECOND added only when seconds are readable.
h=6 m=33
